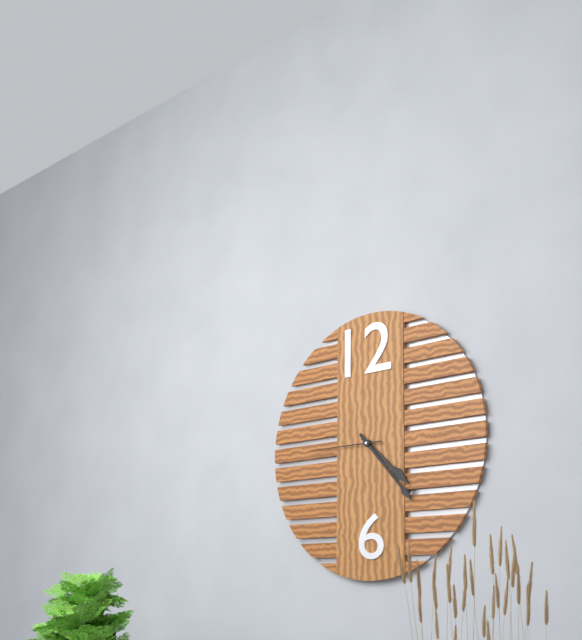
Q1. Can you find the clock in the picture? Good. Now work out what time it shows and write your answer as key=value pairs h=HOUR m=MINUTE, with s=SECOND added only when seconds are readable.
h=4 m=23 s=45
